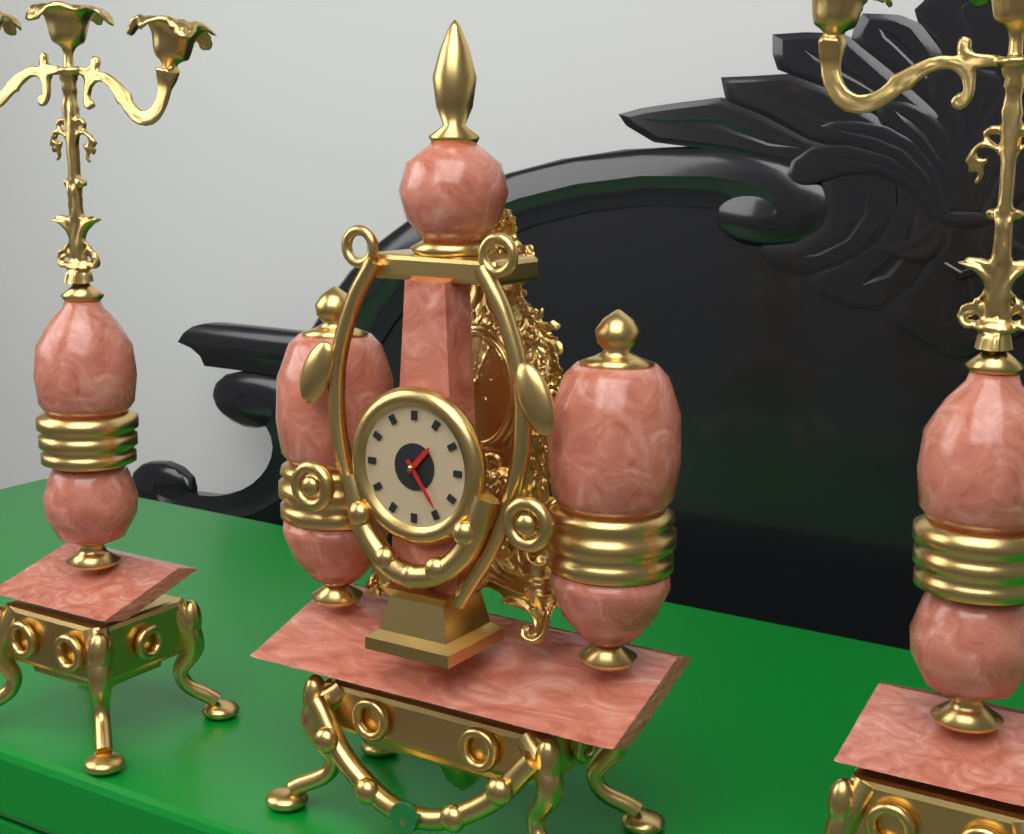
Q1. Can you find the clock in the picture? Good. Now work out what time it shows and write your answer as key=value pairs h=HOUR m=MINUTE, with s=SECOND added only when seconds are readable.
h=1 m=24
